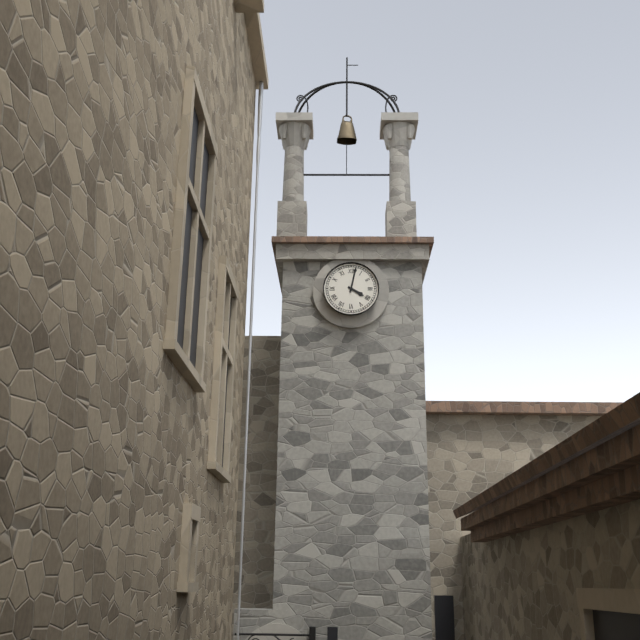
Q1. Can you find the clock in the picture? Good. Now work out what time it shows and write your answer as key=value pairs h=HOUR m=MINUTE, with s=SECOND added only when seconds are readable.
h=4 m=2
